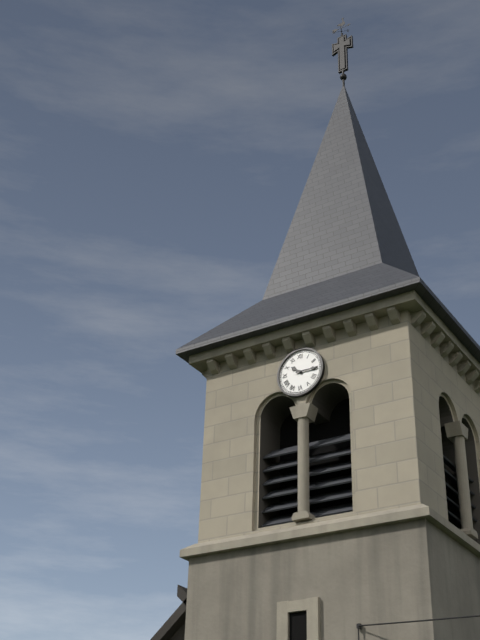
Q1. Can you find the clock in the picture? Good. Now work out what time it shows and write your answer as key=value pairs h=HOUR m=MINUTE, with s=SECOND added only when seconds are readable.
h=10 m=15
